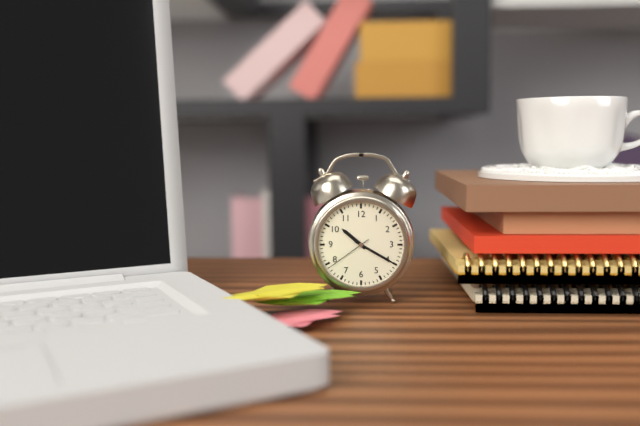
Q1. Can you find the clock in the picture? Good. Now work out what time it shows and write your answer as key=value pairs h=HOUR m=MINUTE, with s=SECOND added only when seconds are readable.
h=10 m=20 s=39
